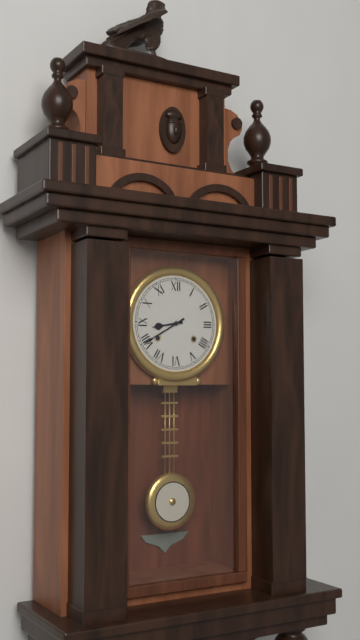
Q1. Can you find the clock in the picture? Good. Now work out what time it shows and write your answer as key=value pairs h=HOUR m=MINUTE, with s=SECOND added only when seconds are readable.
h=8 m=40
